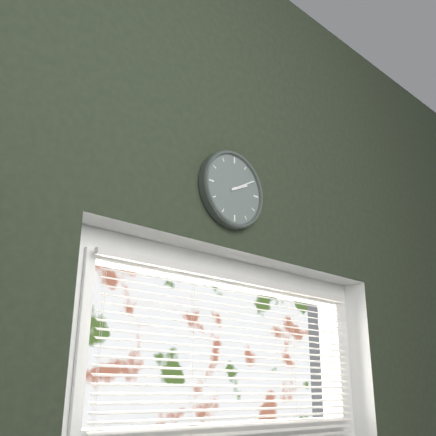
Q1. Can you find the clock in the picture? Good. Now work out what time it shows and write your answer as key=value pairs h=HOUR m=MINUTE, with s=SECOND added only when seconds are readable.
h=2 m=10
